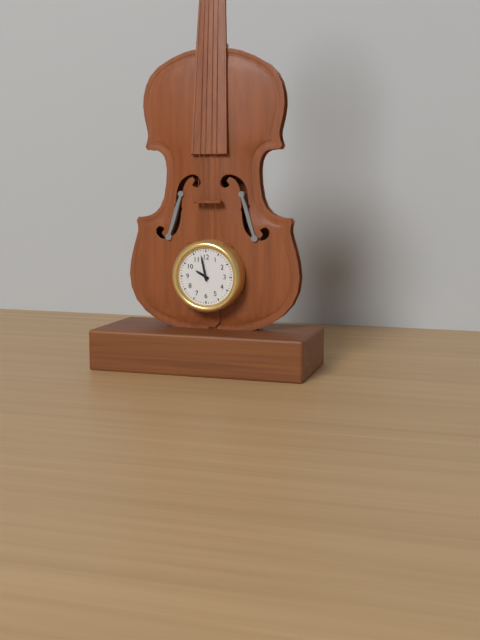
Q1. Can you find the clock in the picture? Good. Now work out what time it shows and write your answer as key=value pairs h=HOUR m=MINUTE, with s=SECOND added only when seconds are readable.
h=9 m=58
